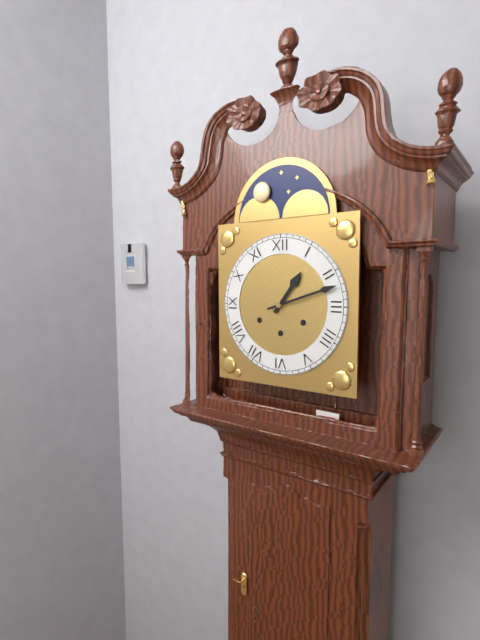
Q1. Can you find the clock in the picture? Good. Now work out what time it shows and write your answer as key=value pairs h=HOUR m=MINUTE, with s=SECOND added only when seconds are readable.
h=1 m=12
